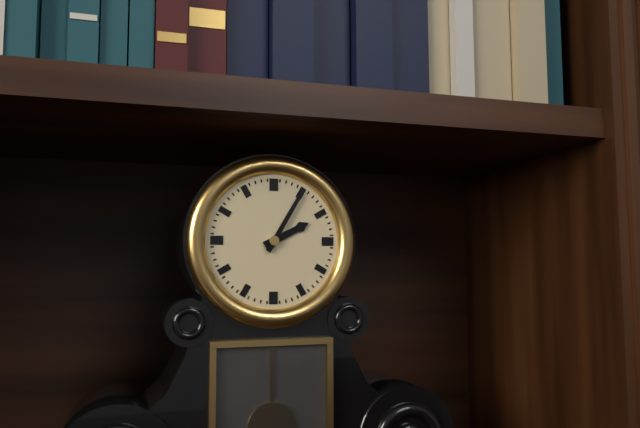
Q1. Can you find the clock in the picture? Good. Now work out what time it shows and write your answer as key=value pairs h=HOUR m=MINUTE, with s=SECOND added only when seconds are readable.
h=2 m=5
